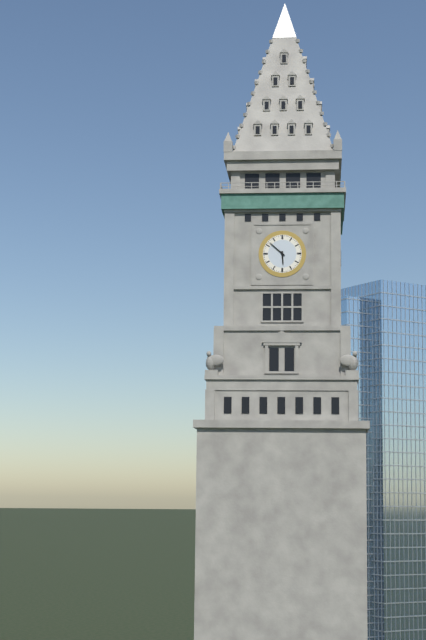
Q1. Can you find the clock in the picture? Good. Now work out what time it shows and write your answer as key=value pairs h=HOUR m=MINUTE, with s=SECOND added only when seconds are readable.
h=5 m=52
